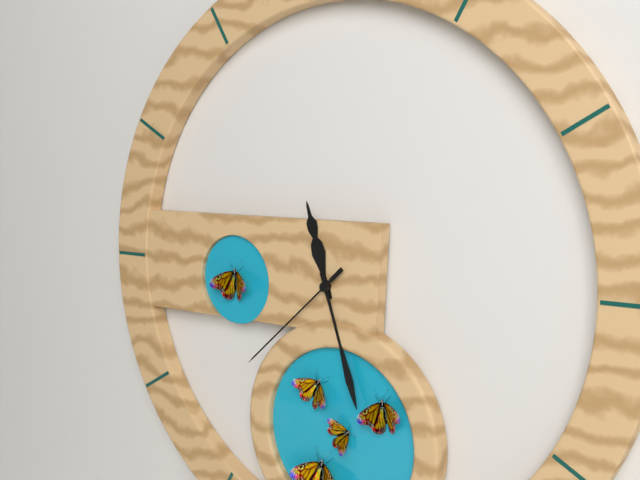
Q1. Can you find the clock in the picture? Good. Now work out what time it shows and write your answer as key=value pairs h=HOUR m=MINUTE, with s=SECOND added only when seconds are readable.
h=11 m=27 s=38
